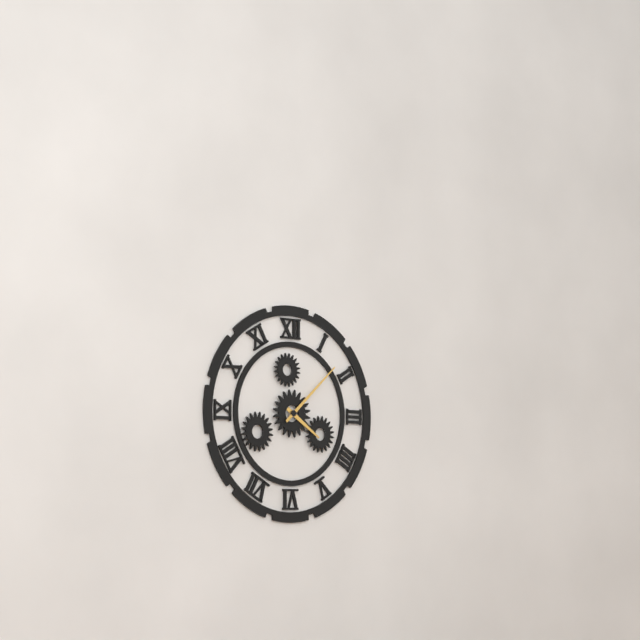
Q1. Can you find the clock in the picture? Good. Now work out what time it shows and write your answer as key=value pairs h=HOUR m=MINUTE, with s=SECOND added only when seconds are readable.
h=4 m=8
